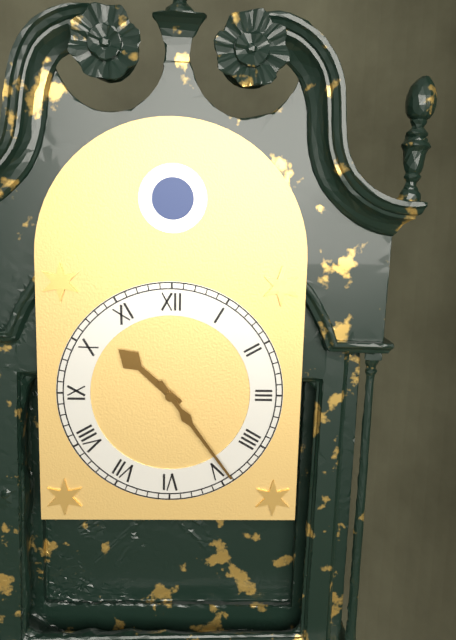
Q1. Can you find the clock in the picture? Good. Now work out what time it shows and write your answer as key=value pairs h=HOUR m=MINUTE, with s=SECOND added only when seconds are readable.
h=10 m=24
